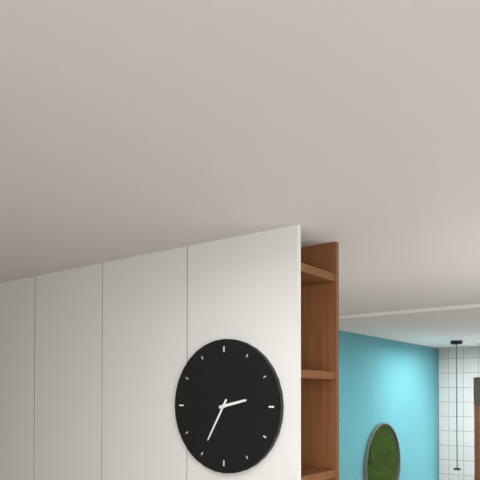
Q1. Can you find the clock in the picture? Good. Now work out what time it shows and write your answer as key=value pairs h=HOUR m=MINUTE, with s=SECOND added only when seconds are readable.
h=2 m=35
